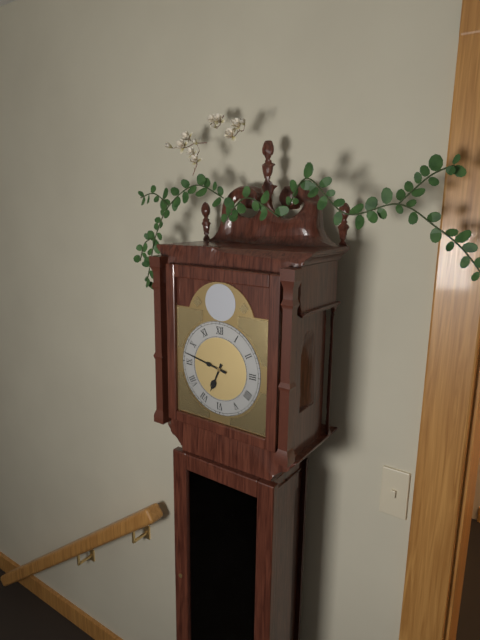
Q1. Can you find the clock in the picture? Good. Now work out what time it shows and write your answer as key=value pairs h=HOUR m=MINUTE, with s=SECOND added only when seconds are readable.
h=6 m=47
